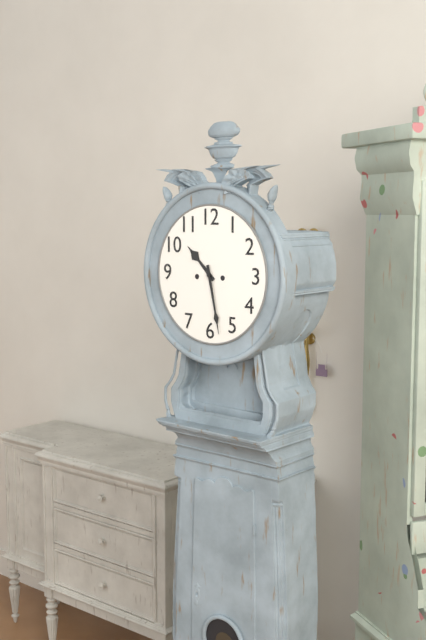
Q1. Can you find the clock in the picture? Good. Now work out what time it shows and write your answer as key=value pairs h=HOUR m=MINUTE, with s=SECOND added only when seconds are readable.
h=10 m=28
